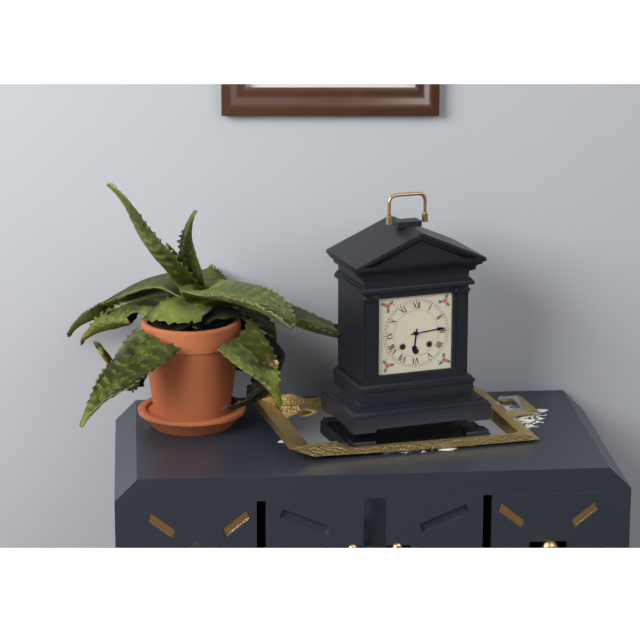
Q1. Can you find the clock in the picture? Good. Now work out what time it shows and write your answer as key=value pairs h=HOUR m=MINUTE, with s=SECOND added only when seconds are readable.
h=6 m=14
